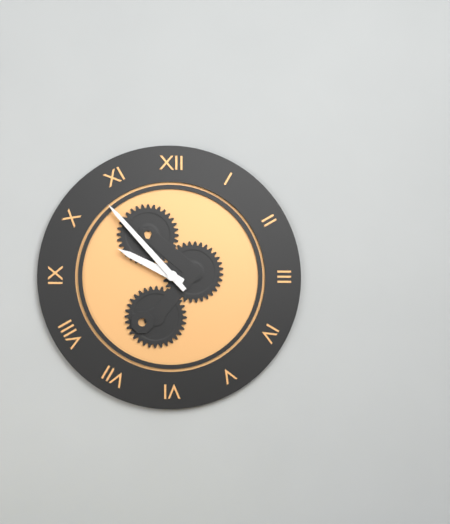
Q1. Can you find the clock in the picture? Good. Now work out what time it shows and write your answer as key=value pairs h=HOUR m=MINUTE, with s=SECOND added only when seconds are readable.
h=9 m=53
